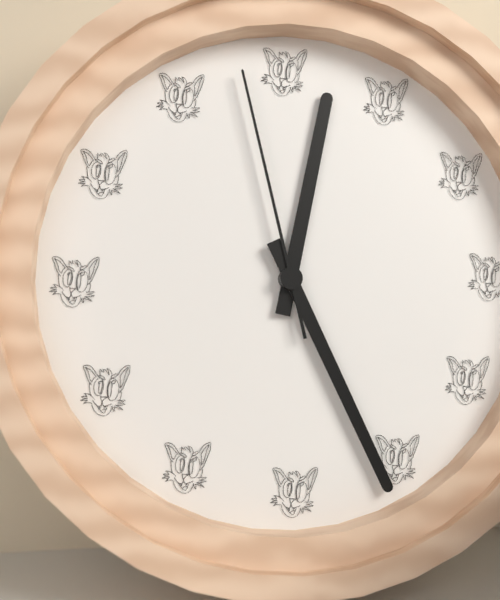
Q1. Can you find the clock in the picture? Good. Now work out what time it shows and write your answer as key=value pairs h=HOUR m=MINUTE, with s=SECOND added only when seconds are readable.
h=12 m=26 s=58
